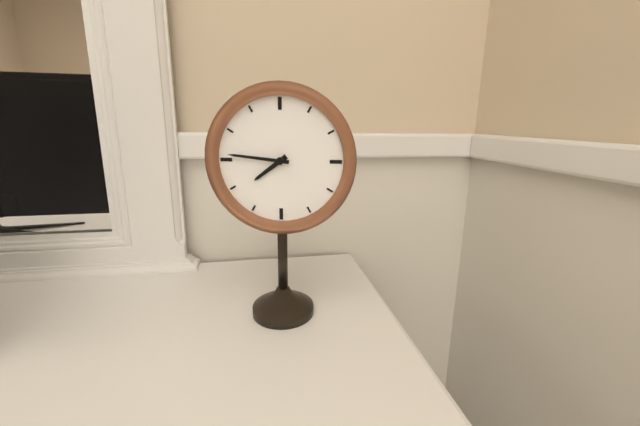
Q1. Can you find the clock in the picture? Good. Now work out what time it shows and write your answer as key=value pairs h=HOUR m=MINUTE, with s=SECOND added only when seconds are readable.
h=7 m=46
